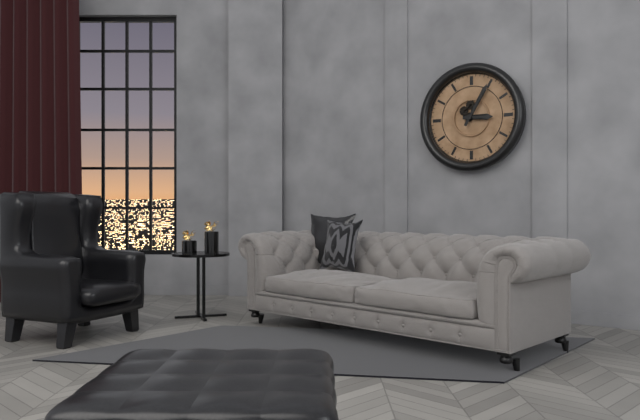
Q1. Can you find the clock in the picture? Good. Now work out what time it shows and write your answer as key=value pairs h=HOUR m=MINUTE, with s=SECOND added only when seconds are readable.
h=3 m=5
